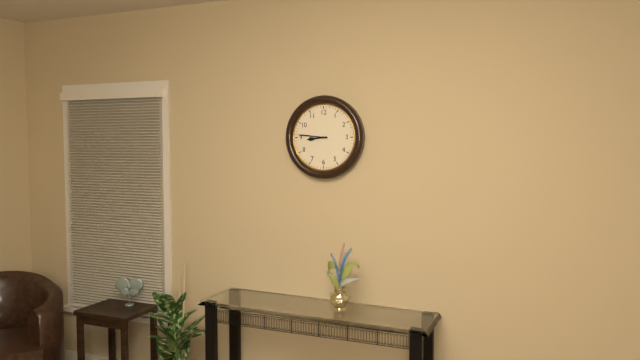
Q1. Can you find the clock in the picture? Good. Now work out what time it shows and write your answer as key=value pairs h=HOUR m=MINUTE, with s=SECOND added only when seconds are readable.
h=8 m=46
